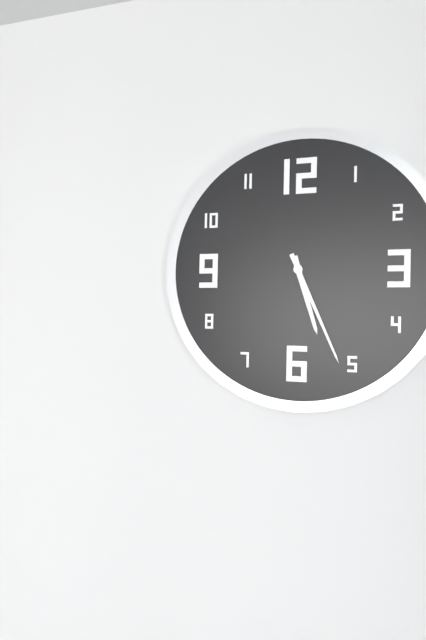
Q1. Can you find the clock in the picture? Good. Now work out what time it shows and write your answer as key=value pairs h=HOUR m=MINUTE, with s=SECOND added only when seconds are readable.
h=5 m=26
